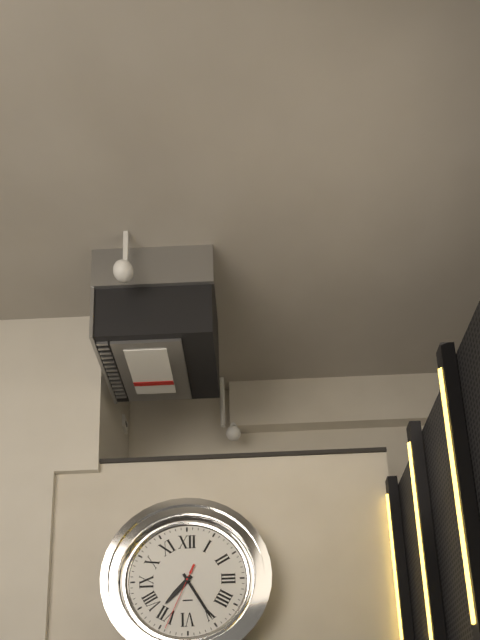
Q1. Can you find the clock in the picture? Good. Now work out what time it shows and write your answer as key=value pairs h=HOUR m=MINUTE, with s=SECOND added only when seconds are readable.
h=7 m=25 s=34
